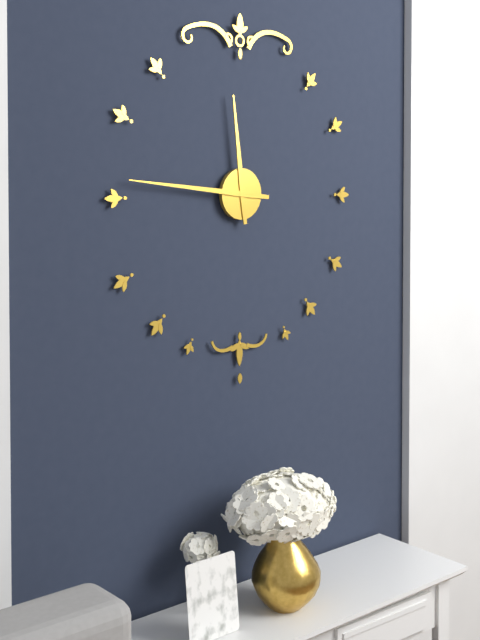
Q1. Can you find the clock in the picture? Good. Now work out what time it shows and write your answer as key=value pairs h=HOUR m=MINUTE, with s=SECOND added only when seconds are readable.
h=11 m=46
